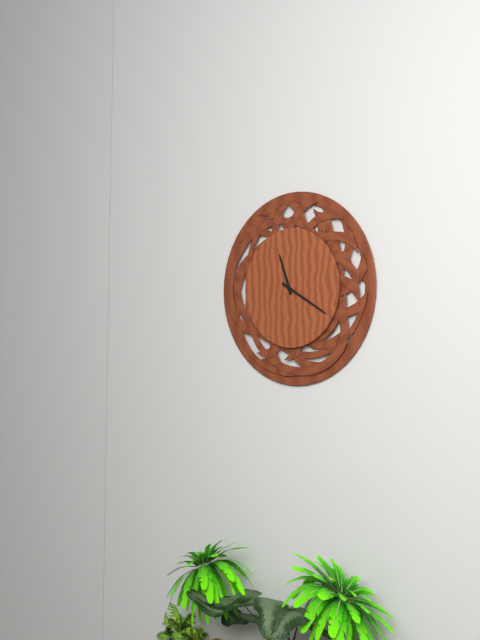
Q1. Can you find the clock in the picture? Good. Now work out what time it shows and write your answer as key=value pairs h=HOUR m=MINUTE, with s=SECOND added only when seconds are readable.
h=11 m=20
